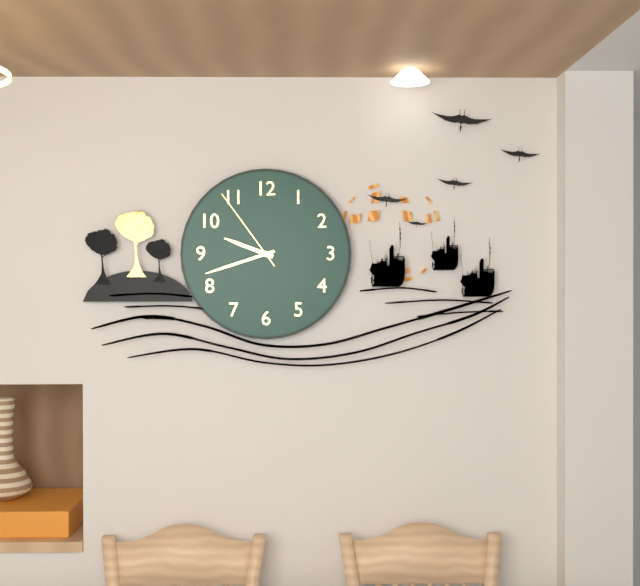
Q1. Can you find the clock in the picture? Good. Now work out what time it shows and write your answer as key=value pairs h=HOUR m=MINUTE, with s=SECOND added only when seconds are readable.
h=9 m=42 s=54
